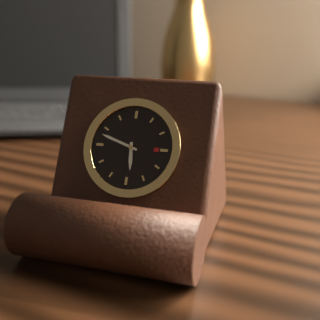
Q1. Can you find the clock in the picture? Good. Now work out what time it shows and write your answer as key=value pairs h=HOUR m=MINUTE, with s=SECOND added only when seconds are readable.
h=5 m=48
